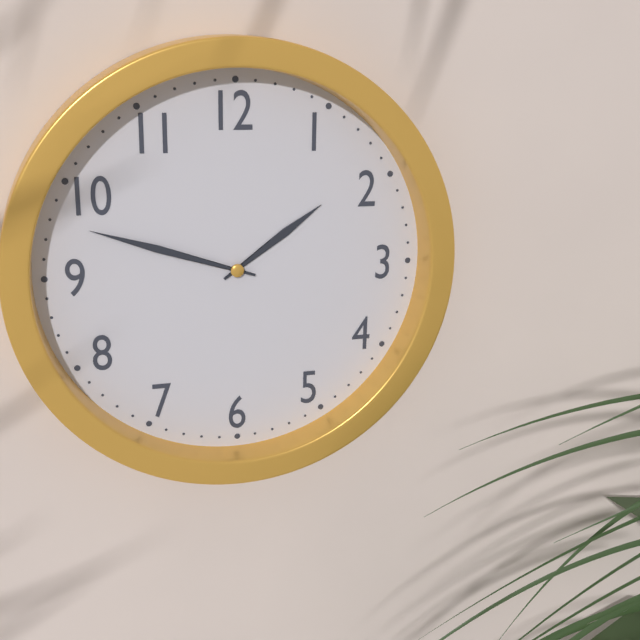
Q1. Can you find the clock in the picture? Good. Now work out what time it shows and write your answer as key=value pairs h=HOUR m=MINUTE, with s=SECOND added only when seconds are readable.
h=1 m=48
